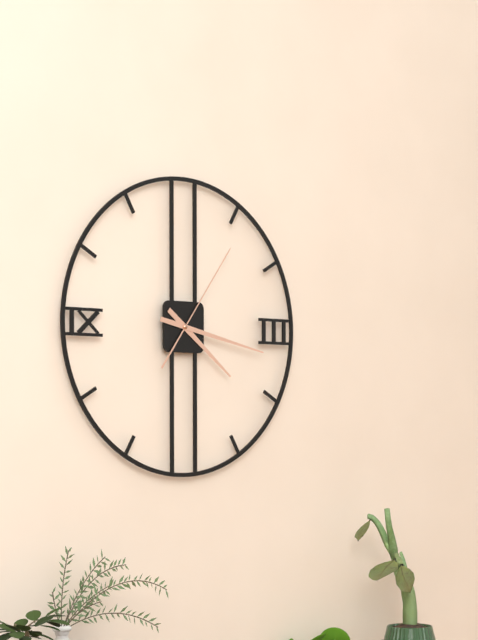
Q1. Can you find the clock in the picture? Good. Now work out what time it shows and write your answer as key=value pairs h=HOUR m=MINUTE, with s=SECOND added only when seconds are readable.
h=4 m=17 s=6
